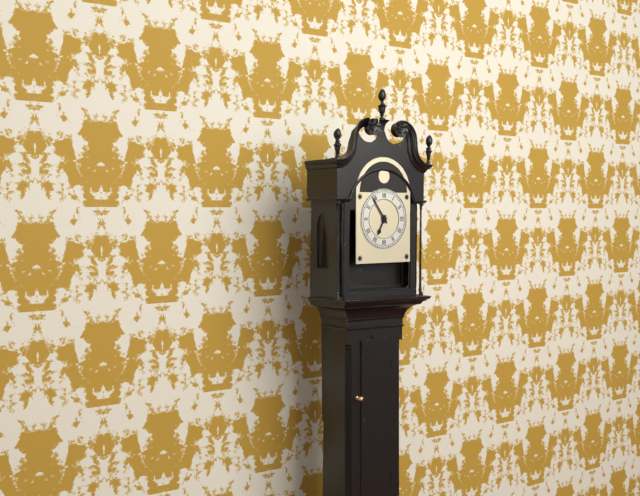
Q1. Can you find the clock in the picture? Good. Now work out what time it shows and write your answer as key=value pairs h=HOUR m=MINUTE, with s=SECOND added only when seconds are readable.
h=6 m=54
